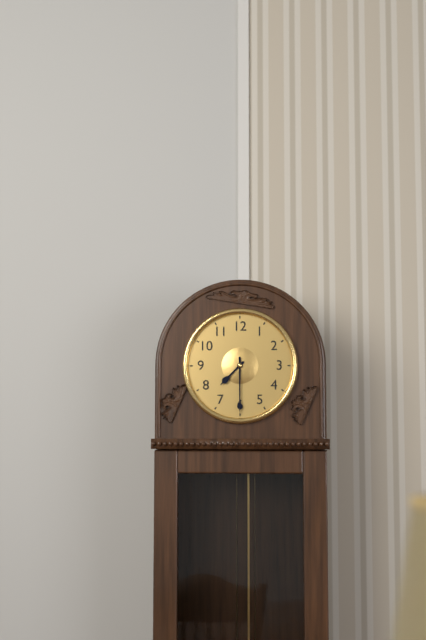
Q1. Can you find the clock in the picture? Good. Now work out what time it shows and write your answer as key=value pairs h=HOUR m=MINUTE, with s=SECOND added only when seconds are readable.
h=7 m=30
